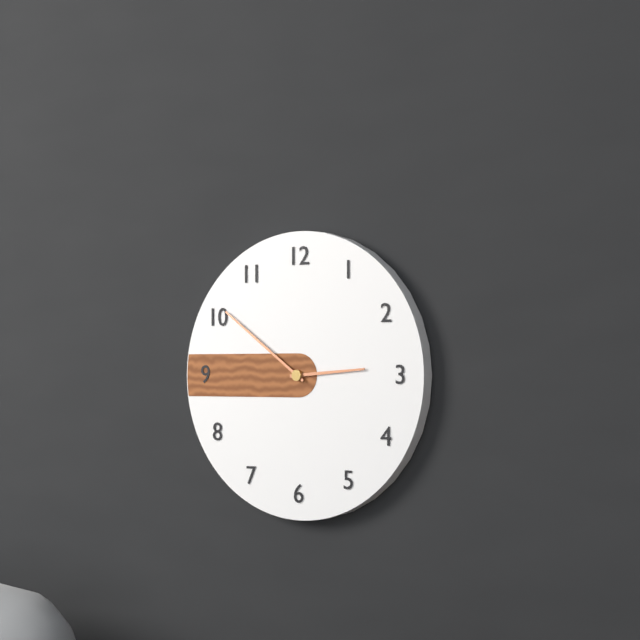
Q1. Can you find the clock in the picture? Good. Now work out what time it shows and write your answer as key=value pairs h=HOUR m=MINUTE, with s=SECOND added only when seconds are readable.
h=2 m=51
